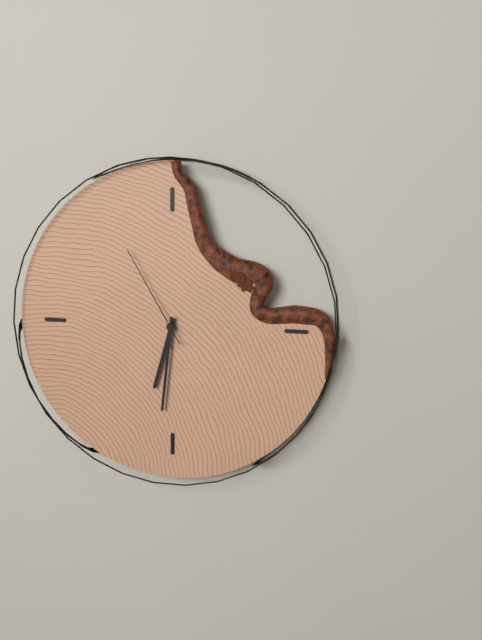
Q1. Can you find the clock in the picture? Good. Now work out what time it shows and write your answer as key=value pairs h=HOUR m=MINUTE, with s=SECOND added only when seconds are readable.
h=6 m=31 s=55
